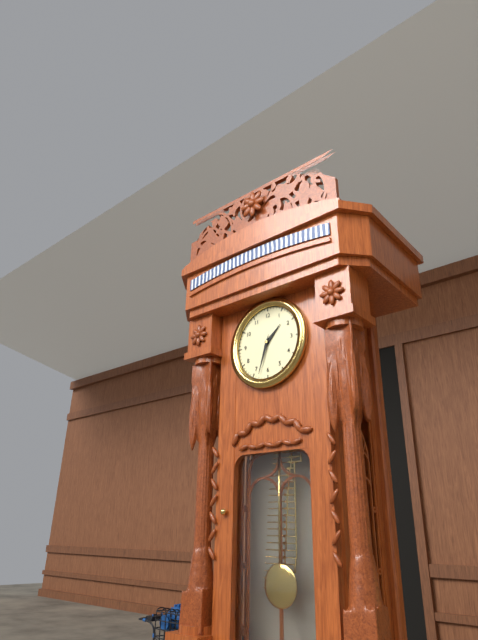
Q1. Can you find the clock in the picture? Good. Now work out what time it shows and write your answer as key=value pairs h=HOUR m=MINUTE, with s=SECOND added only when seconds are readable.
h=1 m=33
